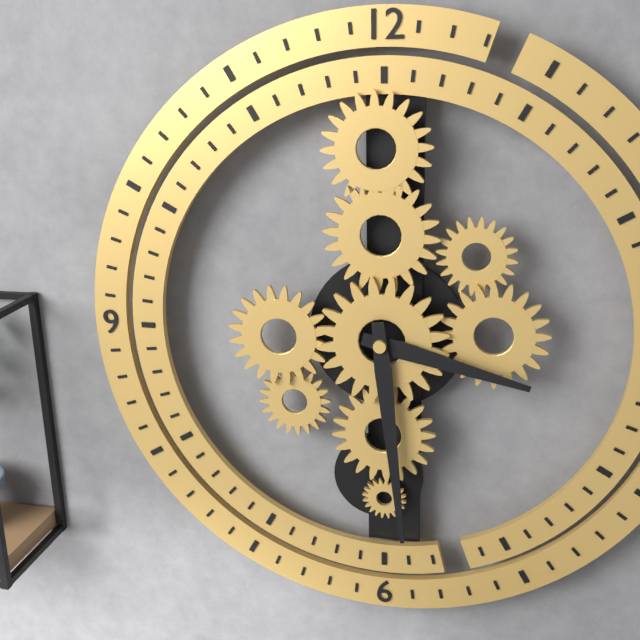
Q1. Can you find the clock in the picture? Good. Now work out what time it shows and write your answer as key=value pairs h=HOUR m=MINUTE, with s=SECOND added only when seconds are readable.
h=3 m=29
